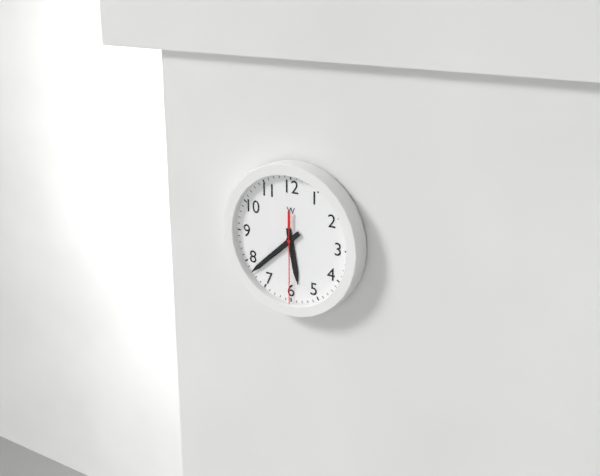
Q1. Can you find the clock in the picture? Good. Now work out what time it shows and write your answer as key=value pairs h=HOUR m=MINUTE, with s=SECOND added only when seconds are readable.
h=5 m=38 s=30
